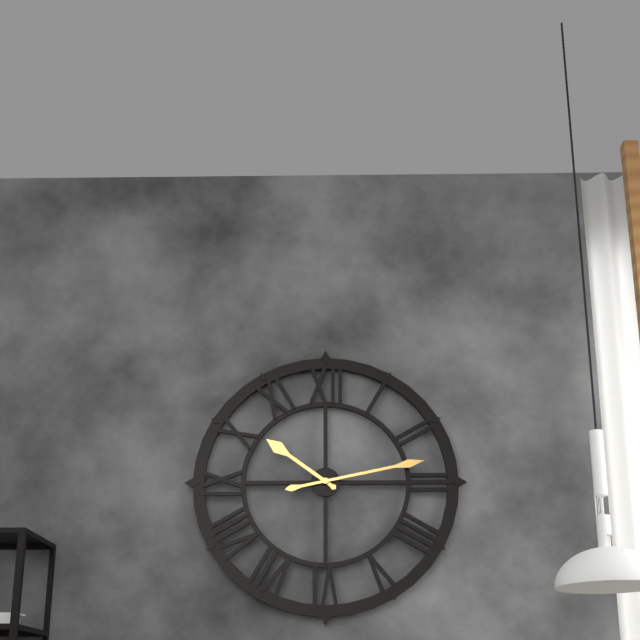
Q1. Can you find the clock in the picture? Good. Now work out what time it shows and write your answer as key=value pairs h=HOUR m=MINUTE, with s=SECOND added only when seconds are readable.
h=10 m=13
